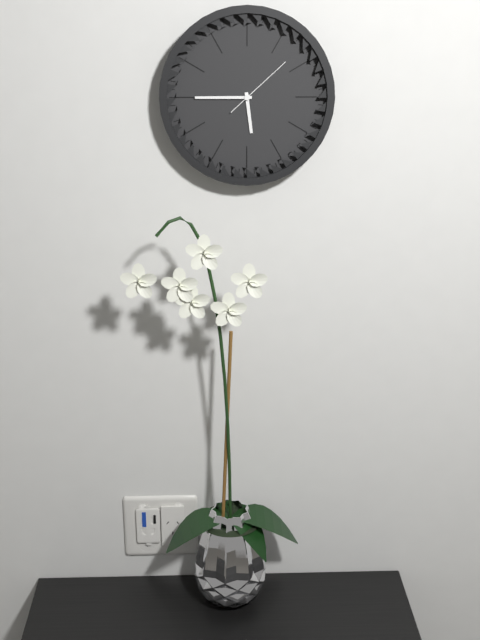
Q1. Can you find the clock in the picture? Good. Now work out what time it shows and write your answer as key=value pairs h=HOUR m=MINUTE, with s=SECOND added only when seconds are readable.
h=5 m=45 s=8
